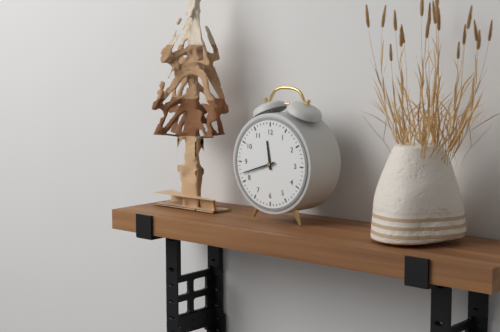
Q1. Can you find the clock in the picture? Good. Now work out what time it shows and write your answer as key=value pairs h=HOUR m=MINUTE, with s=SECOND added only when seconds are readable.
h=11 m=42
